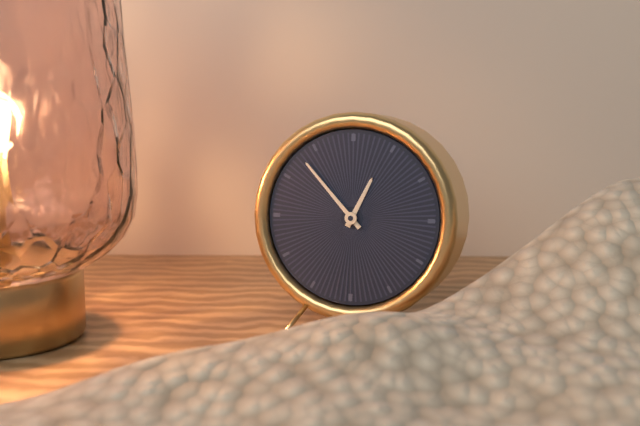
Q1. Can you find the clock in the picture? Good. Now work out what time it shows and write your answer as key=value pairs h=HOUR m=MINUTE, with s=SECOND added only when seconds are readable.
h=12 m=53
